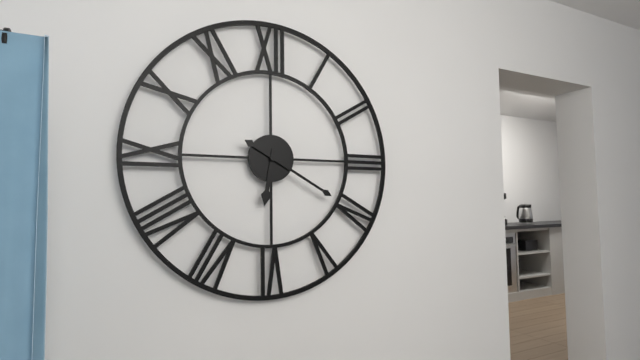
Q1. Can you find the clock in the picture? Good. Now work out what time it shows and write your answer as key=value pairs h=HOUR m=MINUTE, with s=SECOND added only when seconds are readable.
h=6 m=20
